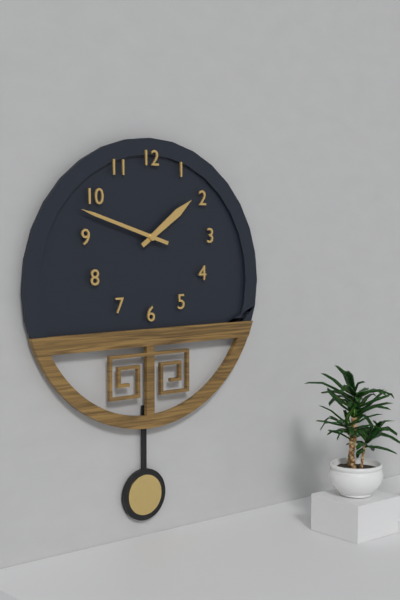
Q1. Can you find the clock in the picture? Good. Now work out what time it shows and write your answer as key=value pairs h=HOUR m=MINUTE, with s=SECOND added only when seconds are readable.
h=1 m=48
